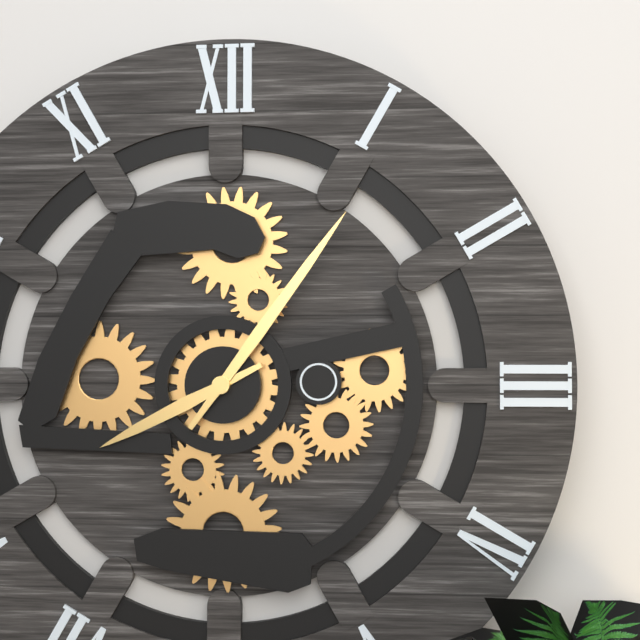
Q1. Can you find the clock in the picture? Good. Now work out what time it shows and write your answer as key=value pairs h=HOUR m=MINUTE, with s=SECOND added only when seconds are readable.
h=8 m=6
